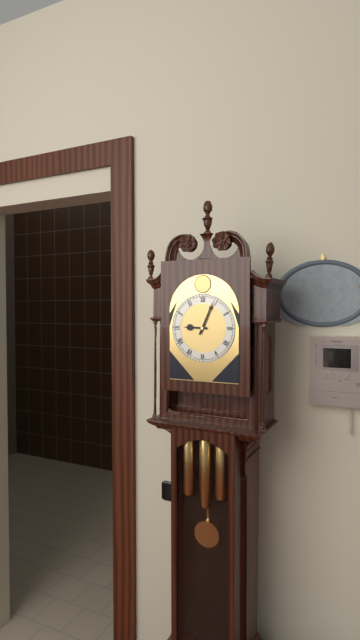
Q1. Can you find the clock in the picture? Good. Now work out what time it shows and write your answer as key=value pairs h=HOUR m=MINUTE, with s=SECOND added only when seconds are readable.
h=9 m=4
